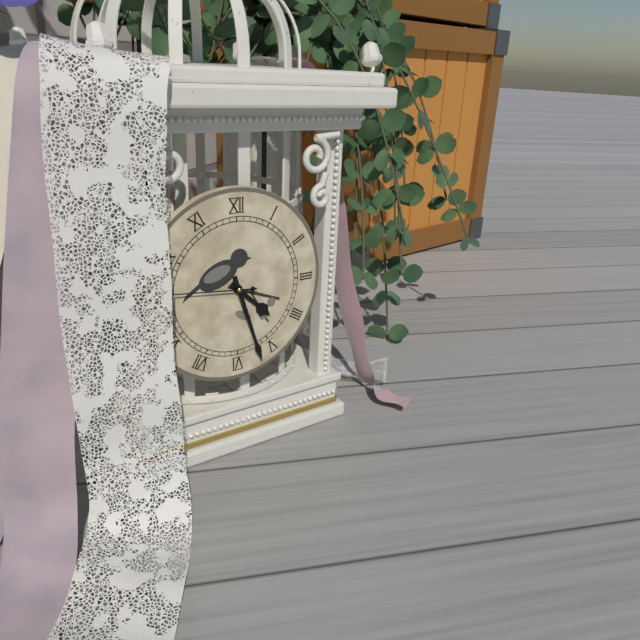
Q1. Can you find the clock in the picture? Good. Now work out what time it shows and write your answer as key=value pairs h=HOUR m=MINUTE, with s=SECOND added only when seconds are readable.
h=4 m=27 s=46
